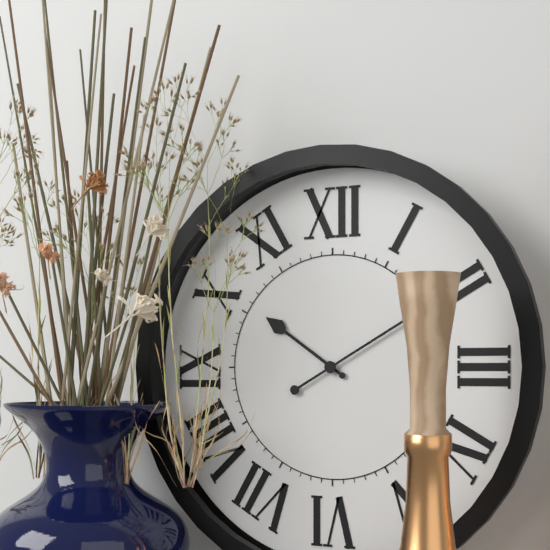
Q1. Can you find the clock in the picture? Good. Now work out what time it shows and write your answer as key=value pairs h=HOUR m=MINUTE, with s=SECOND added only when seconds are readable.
h=10 m=10
